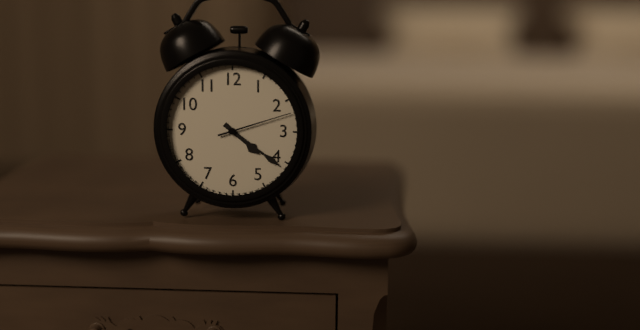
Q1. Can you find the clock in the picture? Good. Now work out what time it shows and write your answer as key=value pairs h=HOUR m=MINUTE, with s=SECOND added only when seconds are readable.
h=4 m=21 s=12
